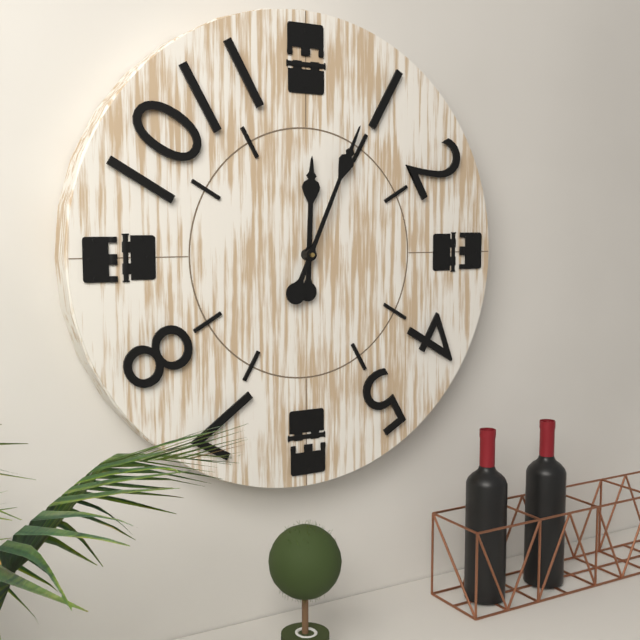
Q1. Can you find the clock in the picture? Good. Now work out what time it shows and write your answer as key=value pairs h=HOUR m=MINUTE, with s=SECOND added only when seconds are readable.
h=12 m=4
